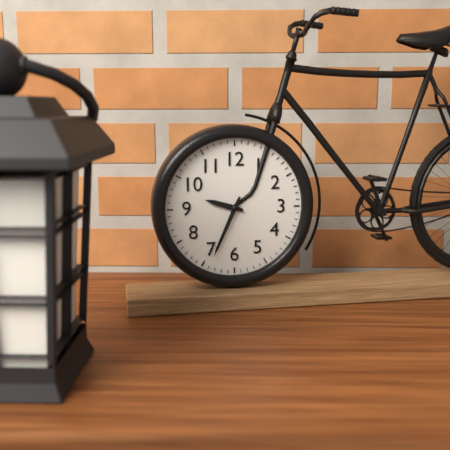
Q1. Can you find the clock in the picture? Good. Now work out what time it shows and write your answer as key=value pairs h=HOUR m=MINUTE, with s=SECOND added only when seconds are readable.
h=9 m=34
